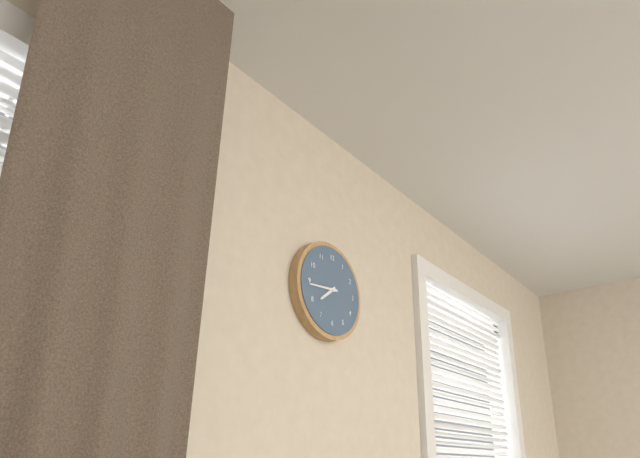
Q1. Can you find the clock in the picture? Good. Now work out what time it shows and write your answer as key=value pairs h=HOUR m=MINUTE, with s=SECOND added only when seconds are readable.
h=7 m=44
